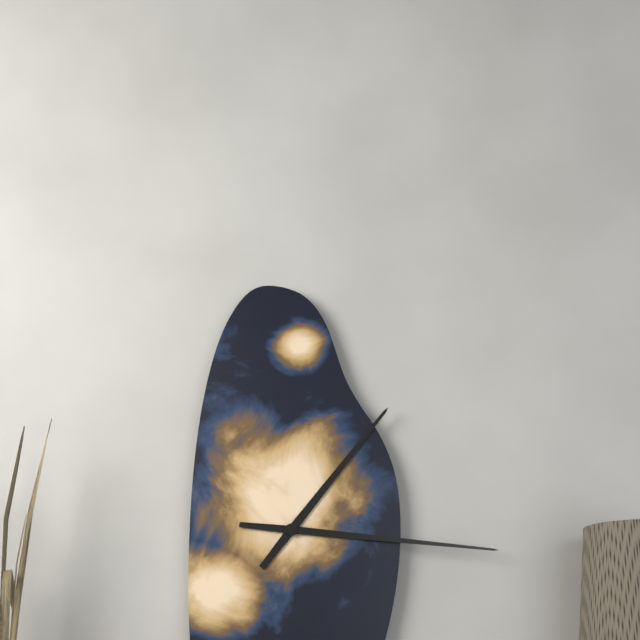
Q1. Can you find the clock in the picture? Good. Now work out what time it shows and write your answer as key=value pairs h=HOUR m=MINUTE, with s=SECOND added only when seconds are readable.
h=1 m=16
